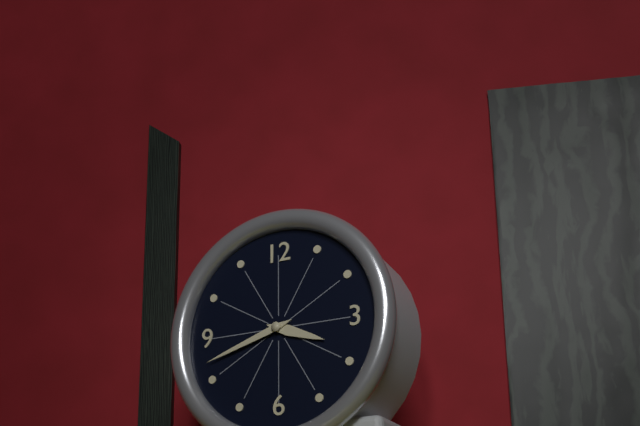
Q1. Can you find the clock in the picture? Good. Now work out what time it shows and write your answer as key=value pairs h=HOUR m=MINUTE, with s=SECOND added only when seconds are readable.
h=3 m=42
